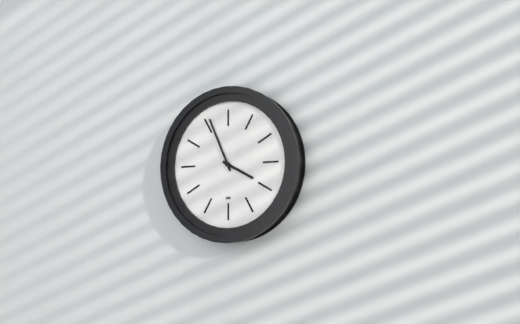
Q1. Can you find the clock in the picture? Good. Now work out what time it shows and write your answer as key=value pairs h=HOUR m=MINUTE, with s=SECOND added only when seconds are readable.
h=3 m=56
